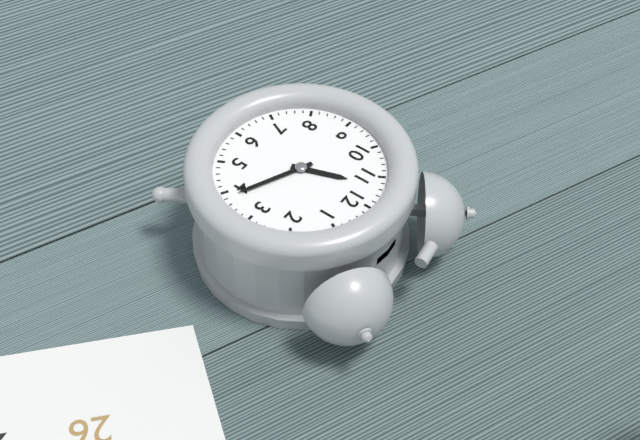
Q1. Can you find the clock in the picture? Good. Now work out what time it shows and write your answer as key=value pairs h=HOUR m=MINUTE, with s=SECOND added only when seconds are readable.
h=11 m=19
